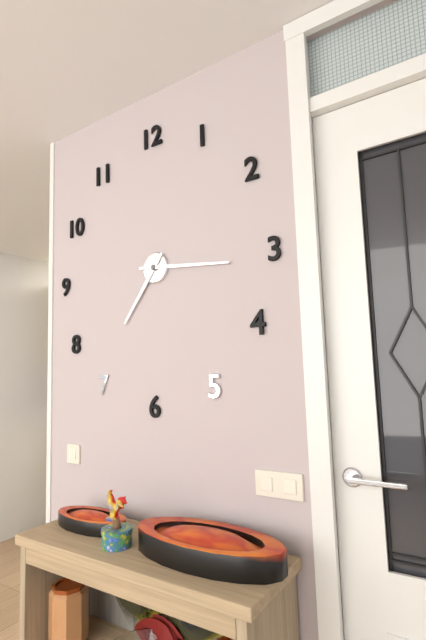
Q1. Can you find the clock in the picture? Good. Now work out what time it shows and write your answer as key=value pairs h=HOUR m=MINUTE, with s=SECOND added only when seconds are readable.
h=7 m=16
